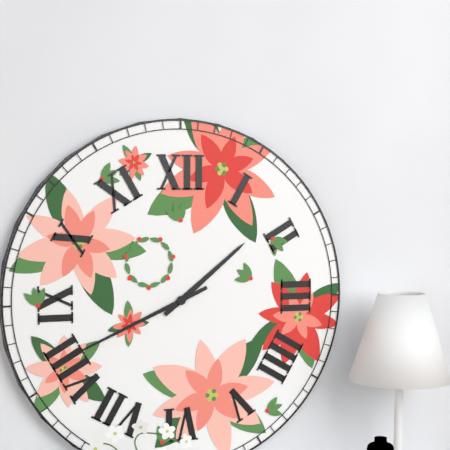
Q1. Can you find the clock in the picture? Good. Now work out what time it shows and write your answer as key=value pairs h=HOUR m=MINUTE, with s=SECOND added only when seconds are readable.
h=1 m=41
